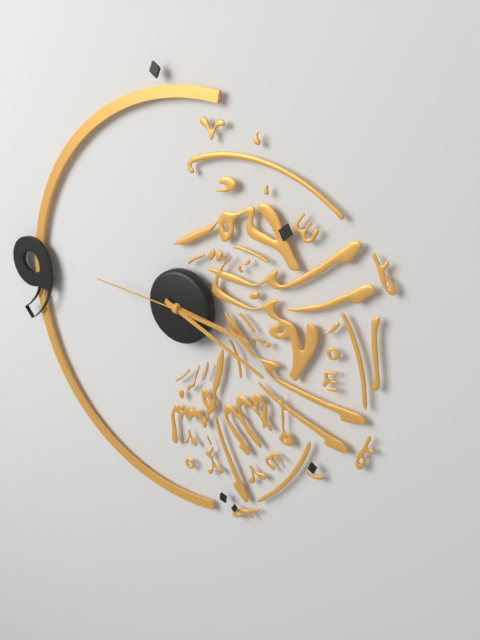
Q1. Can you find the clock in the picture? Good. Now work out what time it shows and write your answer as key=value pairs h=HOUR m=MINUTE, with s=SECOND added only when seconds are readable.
h=3 m=19 s=46
